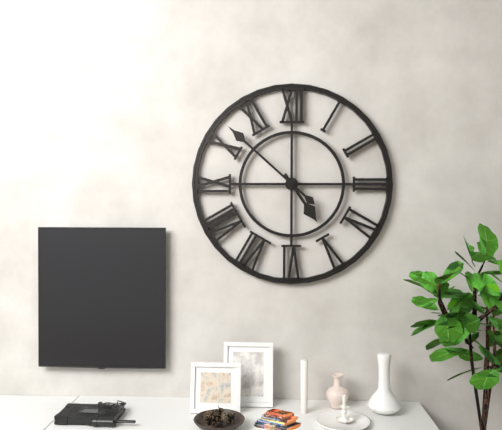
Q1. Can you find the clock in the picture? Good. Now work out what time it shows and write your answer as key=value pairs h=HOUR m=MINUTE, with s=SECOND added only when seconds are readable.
h=4 m=52
